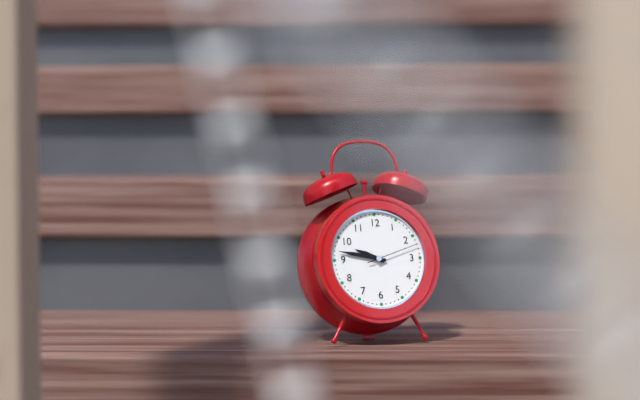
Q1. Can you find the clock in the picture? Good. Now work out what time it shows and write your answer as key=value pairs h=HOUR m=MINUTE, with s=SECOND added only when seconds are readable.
h=9 m=47 s=12
